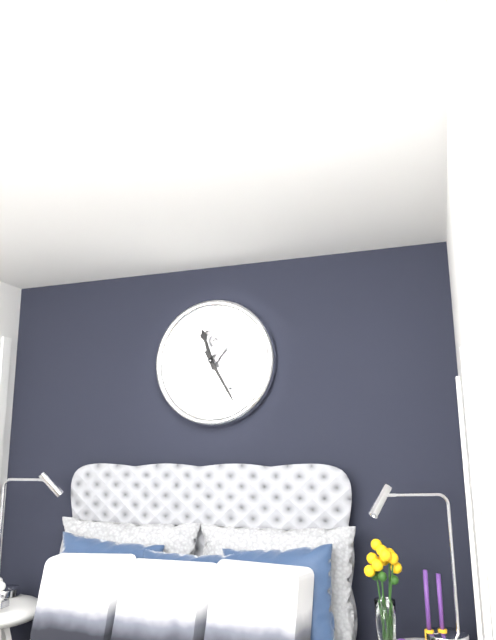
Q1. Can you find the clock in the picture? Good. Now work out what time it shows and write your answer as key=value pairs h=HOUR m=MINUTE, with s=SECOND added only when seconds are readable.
h=11 m=25
